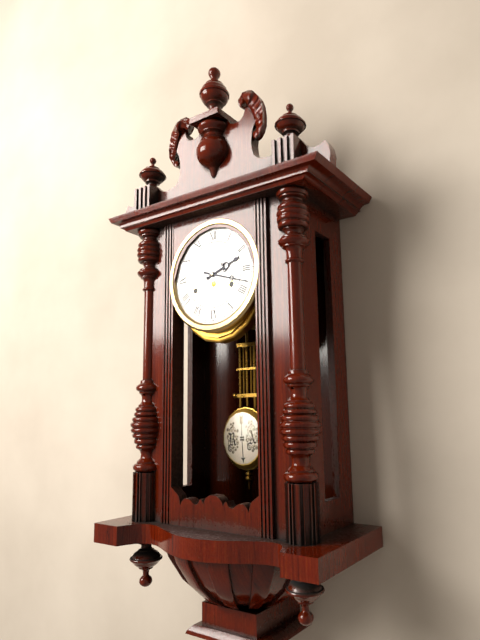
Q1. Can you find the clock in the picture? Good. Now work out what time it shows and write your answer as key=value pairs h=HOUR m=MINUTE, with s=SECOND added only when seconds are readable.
h=2 m=18
